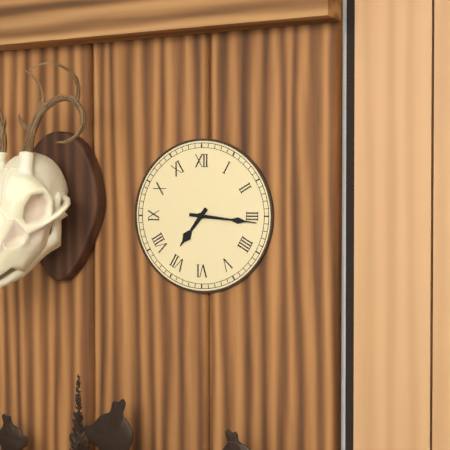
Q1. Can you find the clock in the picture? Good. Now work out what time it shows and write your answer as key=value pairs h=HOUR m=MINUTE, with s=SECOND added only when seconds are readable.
h=7 m=16
